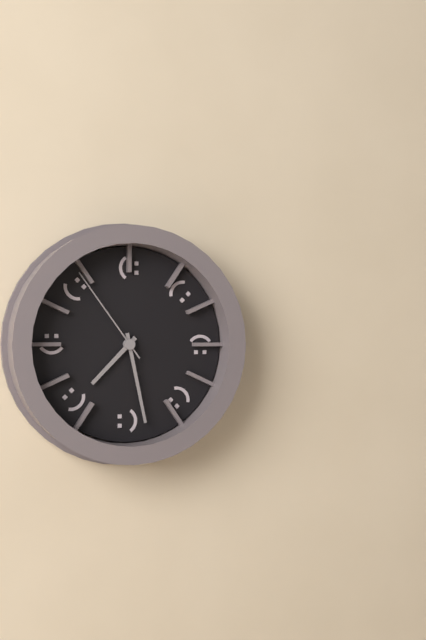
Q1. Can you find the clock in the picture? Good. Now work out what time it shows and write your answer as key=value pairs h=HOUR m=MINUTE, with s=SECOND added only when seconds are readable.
h=7 m=28 s=54
